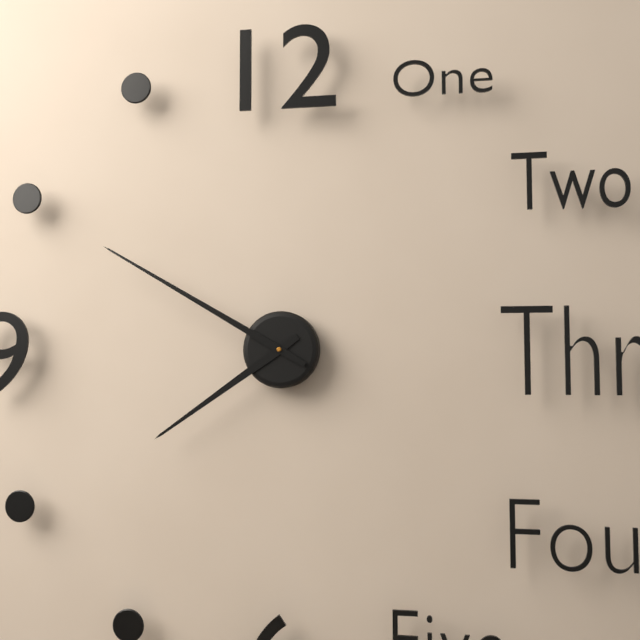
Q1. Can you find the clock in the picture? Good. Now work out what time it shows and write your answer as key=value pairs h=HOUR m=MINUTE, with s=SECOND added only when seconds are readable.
h=7 m=50
